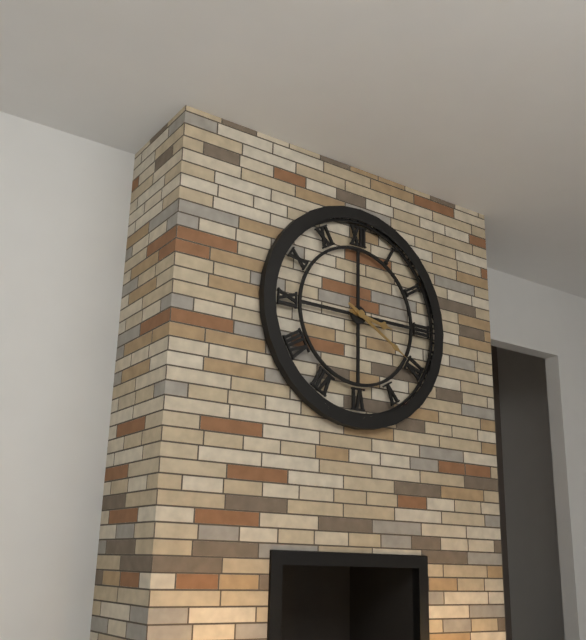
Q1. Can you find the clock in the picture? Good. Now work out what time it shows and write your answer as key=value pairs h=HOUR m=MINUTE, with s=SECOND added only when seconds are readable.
h=3 m=20
